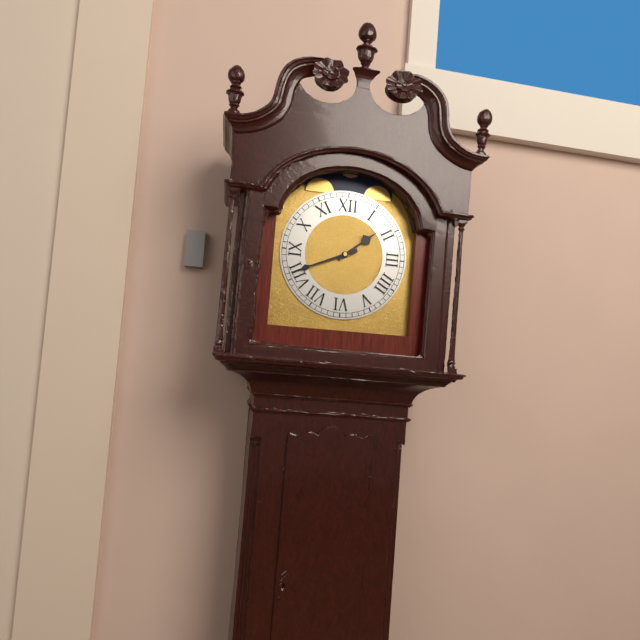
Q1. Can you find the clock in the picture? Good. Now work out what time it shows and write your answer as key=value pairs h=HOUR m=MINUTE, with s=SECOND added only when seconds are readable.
h=1 m=41
